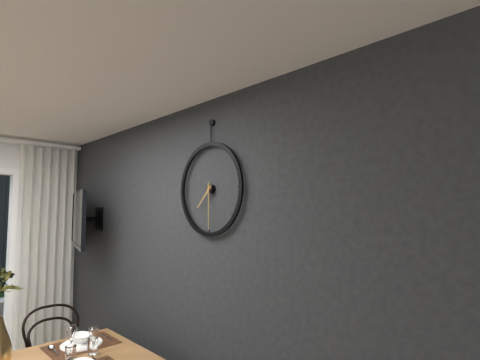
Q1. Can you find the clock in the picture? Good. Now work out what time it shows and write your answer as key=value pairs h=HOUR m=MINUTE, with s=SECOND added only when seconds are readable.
h=7 m=30
